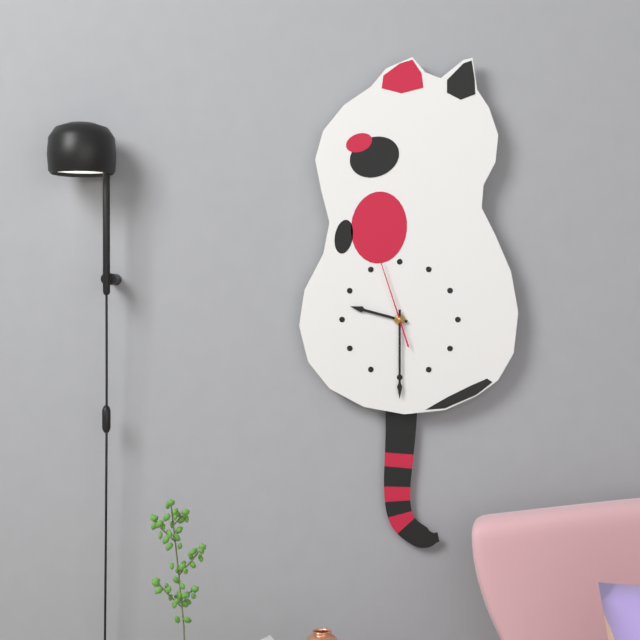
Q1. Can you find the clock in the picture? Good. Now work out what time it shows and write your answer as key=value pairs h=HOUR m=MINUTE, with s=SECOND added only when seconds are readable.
h=9 m=30 s=57
